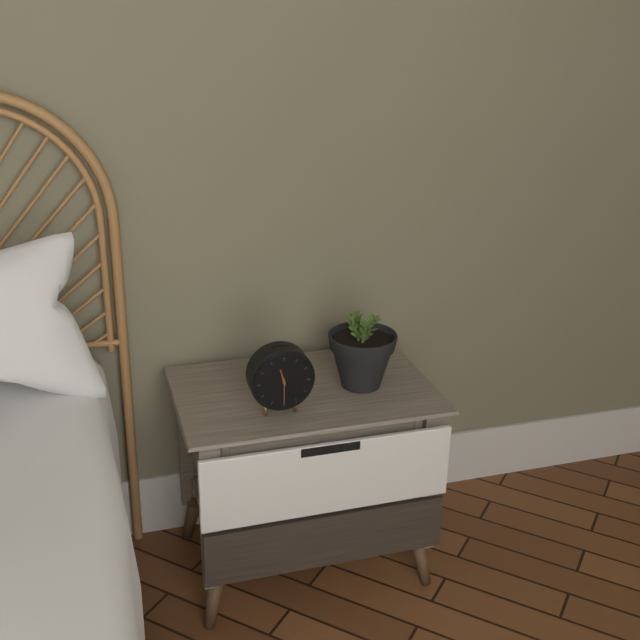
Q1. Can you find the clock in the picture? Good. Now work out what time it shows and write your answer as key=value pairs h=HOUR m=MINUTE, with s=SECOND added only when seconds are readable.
h=11 m=30
